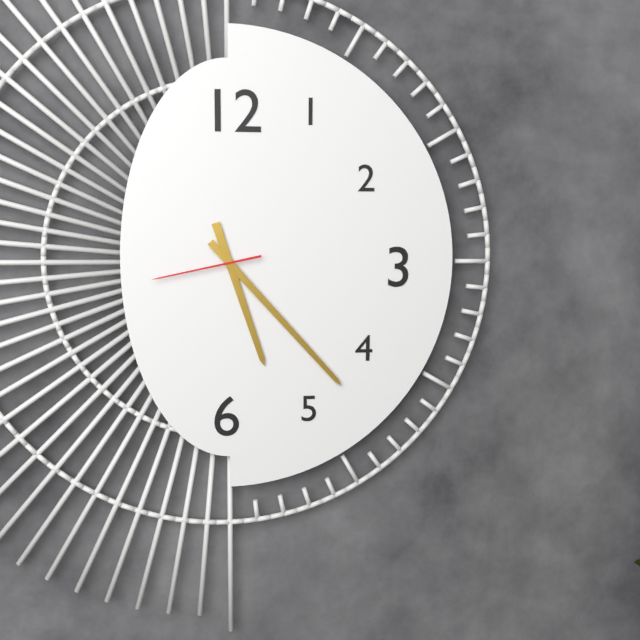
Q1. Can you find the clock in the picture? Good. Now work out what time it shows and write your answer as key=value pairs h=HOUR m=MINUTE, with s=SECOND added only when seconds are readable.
h=5 m=23 s=43
